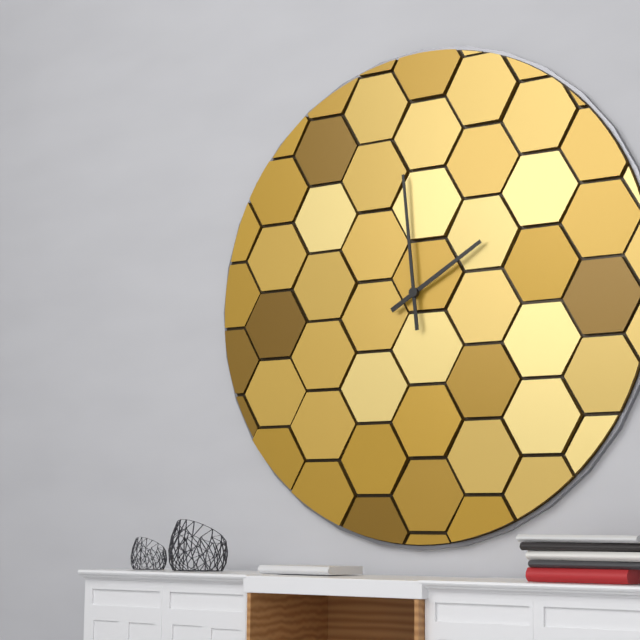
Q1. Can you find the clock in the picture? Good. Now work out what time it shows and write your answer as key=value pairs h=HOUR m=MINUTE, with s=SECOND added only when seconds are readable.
h=1 m=59
